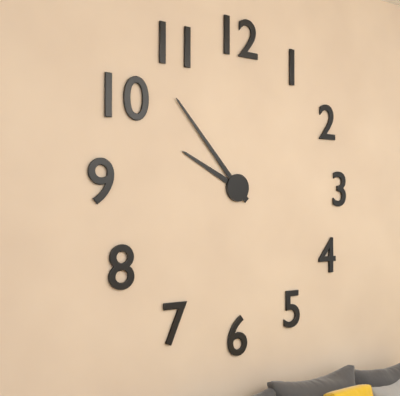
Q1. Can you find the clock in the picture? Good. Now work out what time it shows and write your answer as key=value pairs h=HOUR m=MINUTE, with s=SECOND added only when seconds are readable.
h=9 m=53
